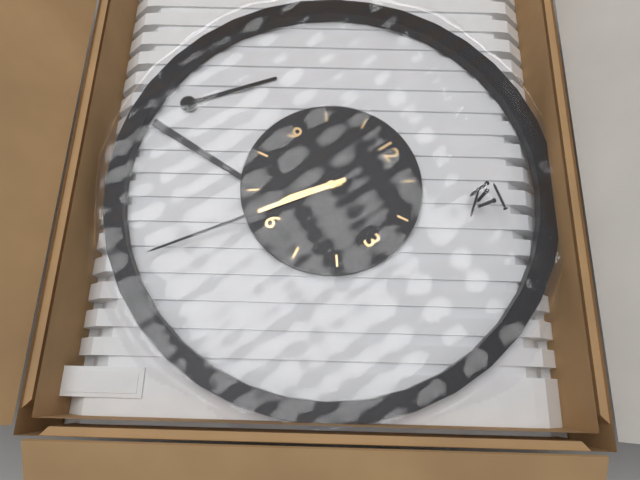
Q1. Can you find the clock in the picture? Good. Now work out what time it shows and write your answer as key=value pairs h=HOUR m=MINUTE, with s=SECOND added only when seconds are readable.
h=6 m=32
